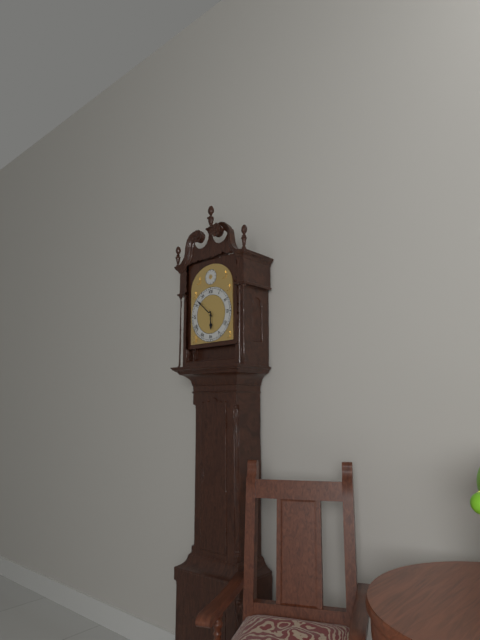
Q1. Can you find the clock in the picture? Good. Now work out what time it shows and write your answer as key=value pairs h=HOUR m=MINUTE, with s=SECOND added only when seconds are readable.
h=5 m=52
